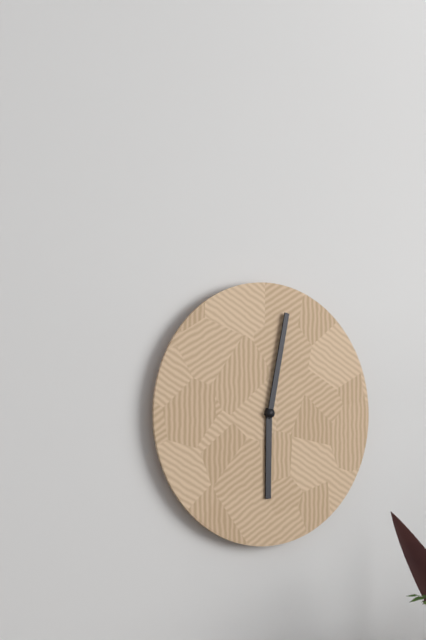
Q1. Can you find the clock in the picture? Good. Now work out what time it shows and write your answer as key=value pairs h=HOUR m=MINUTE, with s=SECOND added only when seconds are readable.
h=6 m=2
